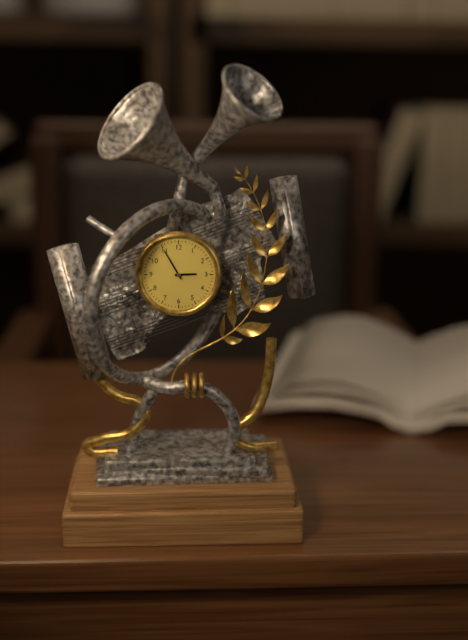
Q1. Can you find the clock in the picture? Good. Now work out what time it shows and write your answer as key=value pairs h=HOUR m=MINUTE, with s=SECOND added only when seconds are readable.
h=2 m=55
